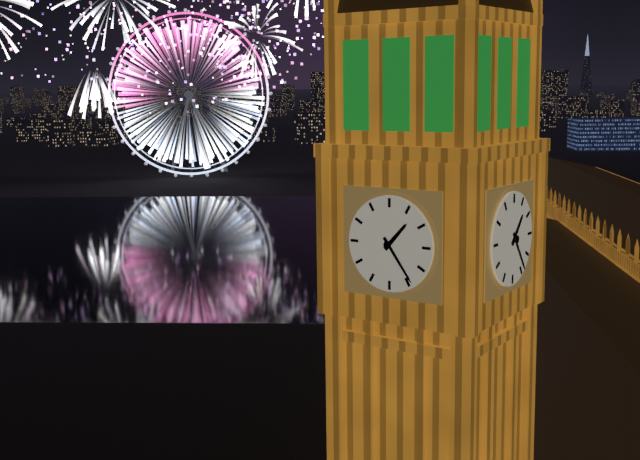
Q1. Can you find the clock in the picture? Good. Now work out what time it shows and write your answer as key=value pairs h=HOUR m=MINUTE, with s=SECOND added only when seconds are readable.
h=1 m=24
